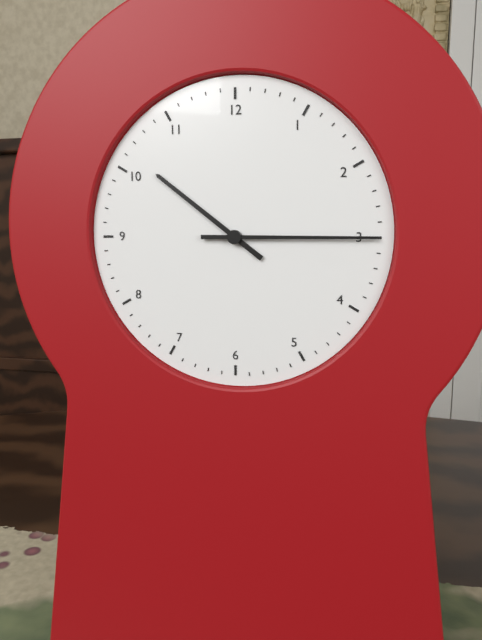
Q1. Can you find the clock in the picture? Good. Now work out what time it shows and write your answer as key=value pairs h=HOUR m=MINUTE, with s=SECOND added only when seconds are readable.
h=10 m=15
